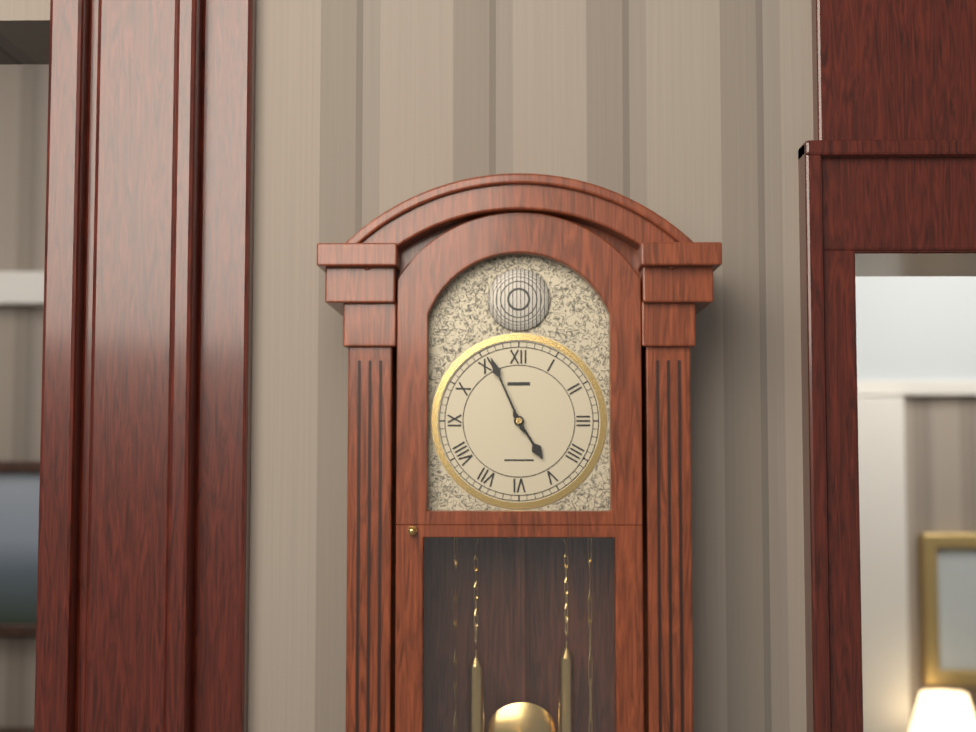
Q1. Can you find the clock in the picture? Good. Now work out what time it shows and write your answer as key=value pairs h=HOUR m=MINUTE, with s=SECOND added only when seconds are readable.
h=4 m=56
